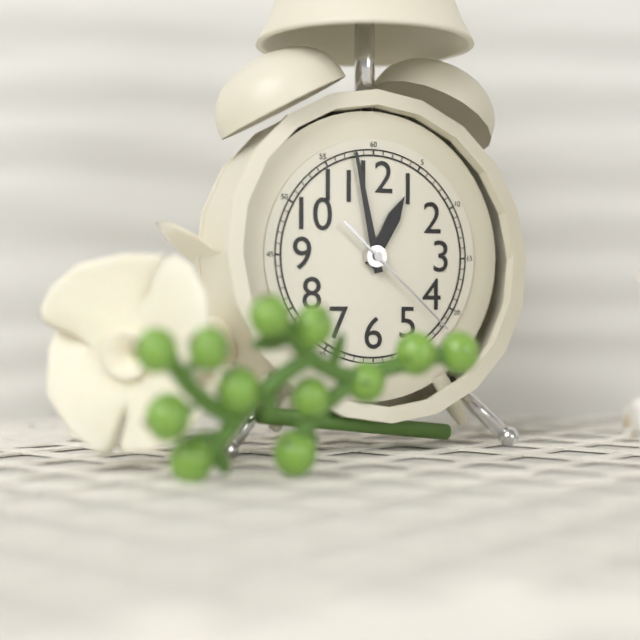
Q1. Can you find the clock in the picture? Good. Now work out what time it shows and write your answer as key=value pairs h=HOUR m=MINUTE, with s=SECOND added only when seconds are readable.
h=12 m=58 s=22
